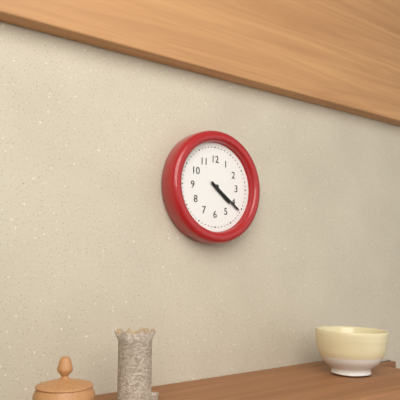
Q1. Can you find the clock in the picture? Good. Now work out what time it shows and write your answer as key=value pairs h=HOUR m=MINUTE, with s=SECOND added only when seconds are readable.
h=4 m=21
